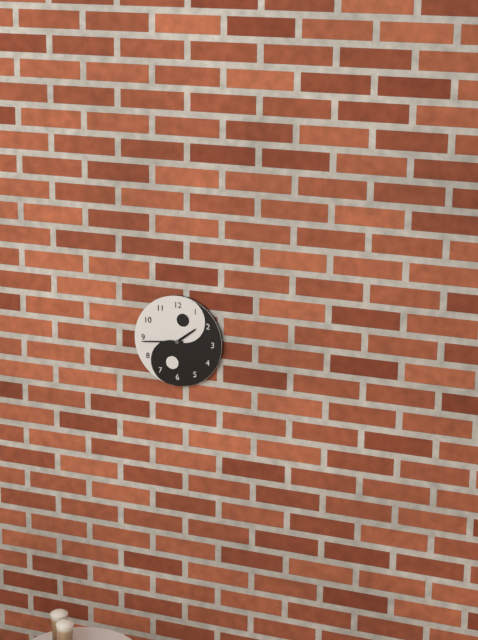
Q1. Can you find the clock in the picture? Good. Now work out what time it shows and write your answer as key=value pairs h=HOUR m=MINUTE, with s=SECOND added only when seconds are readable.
h=1 m=44
